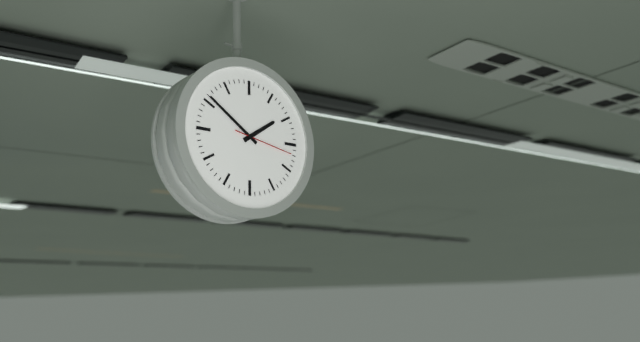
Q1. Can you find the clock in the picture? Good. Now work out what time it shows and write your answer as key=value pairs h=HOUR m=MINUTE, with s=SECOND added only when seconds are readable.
h=1 m=51 s=17
